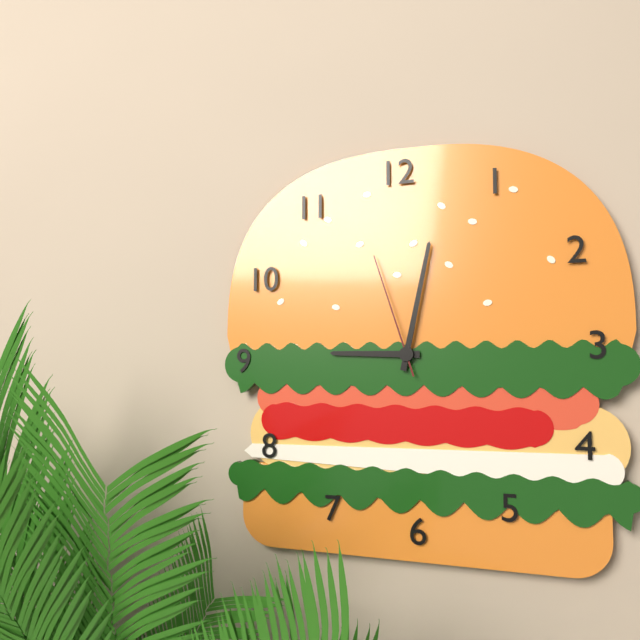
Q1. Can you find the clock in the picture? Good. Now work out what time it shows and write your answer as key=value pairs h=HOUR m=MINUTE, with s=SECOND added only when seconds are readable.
h=9 m=2 s=57
